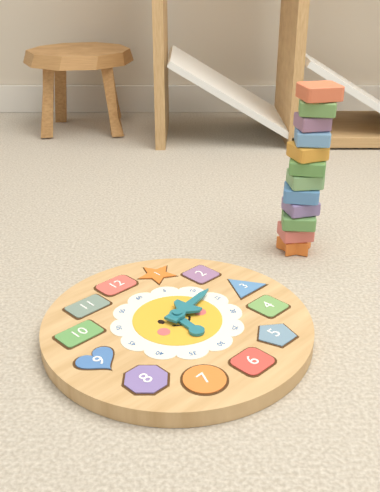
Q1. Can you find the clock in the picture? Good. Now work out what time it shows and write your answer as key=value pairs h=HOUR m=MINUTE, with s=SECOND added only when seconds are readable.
h=6 m=13
